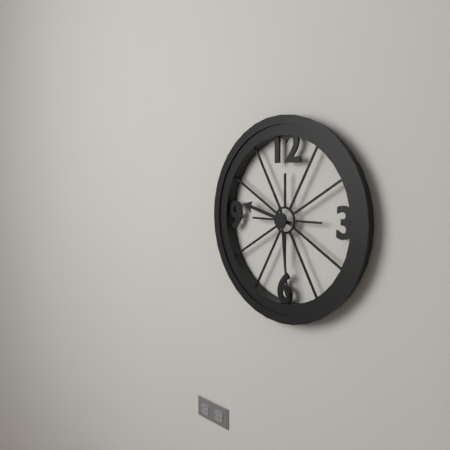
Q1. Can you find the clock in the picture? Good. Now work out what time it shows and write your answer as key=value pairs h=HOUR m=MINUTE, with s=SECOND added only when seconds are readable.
h=9 m=29
